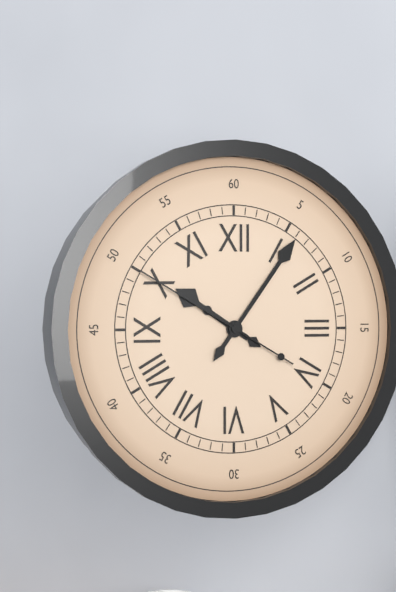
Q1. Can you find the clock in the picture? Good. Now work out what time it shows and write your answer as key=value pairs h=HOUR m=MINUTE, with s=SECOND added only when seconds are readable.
h=10 m=6 s=50
